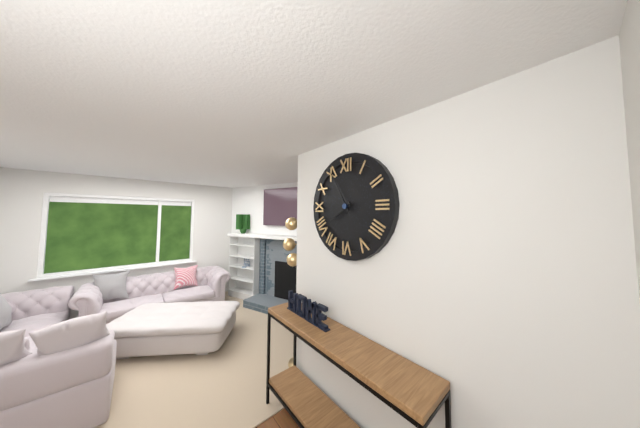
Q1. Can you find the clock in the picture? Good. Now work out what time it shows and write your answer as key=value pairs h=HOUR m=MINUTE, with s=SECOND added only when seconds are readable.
h=7 m=55
